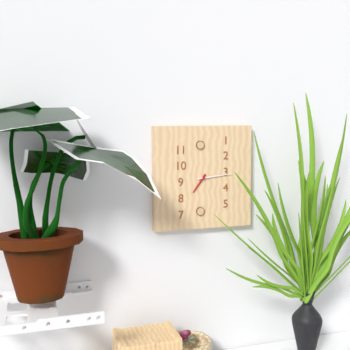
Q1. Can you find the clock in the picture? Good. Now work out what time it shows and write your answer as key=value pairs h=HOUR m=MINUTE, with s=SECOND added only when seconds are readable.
h=7 m=14
